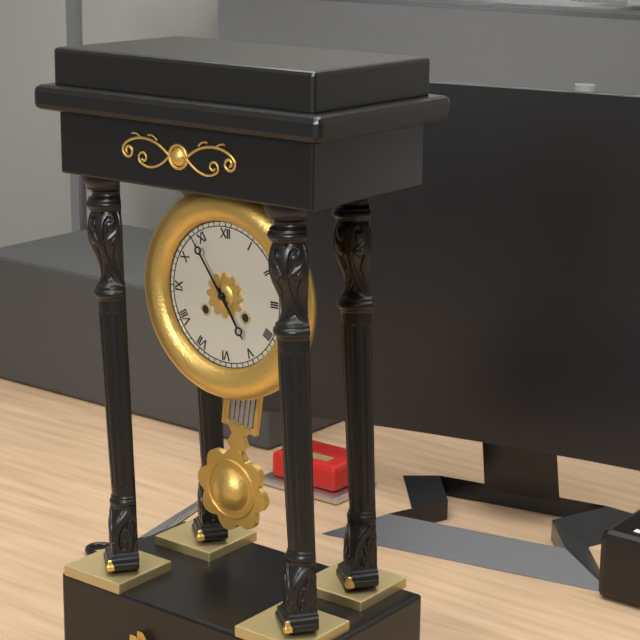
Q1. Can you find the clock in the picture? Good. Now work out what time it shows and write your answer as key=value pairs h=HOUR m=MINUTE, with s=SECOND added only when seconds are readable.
h=4 m=54
